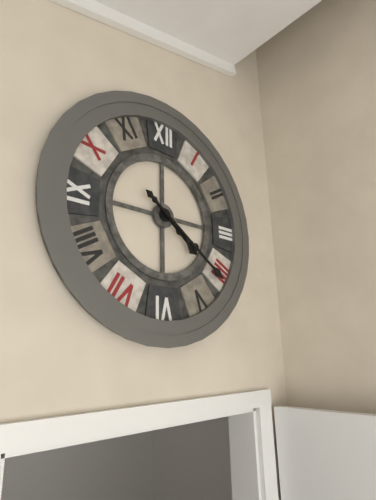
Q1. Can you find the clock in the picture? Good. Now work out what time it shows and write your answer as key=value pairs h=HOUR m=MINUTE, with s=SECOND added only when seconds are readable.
h=4 m=21
